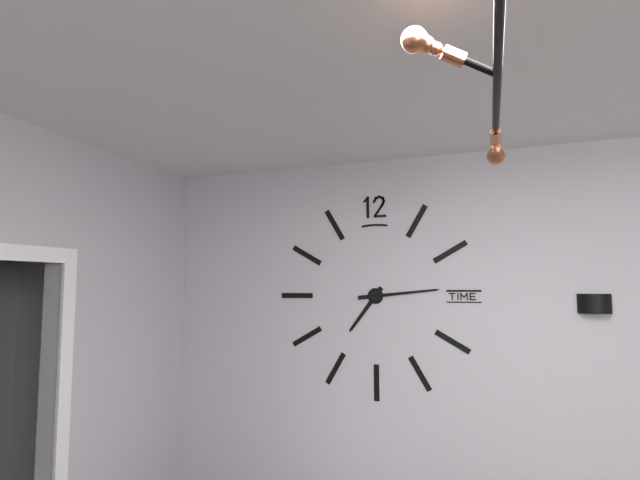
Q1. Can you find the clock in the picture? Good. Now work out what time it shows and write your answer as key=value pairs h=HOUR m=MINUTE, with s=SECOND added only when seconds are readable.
h=7 m=14
